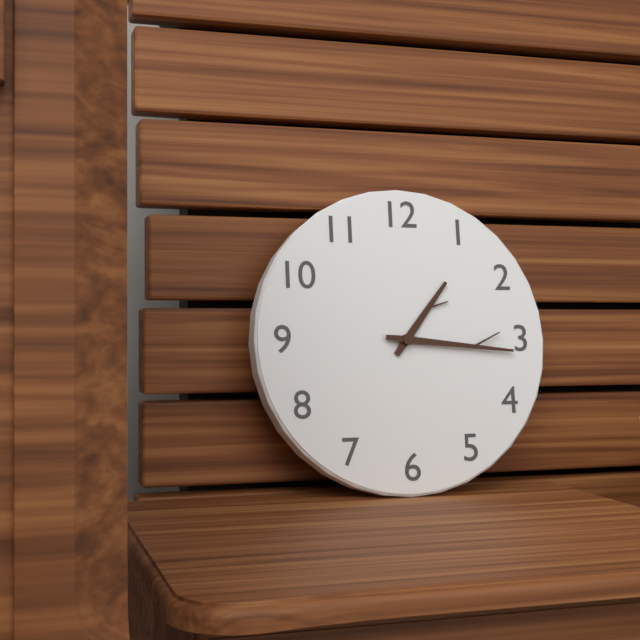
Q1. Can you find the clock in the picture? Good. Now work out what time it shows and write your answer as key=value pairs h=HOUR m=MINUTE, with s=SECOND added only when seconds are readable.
h=1 m=16
